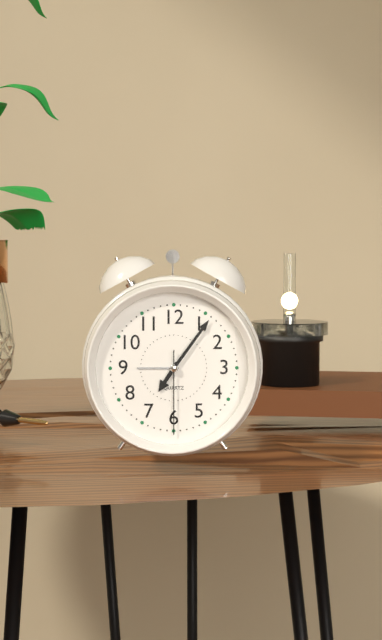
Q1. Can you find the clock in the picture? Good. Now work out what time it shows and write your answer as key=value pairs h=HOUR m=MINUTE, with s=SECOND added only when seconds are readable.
h=7 m=6 s=30
